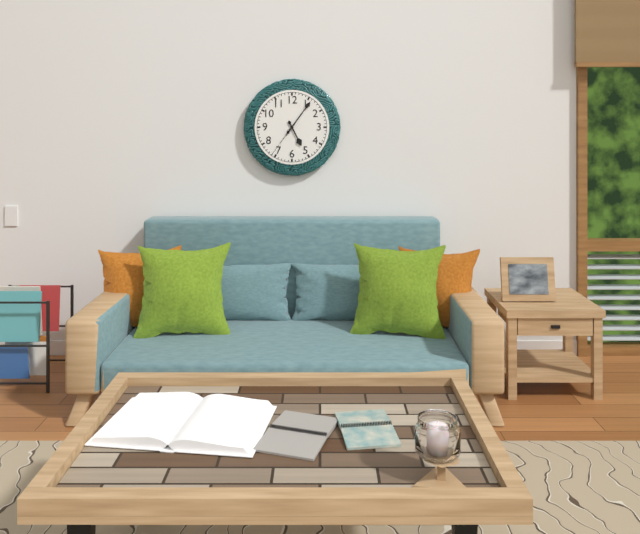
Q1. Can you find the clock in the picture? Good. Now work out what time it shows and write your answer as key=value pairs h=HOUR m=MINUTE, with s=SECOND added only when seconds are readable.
h=5 m=6
